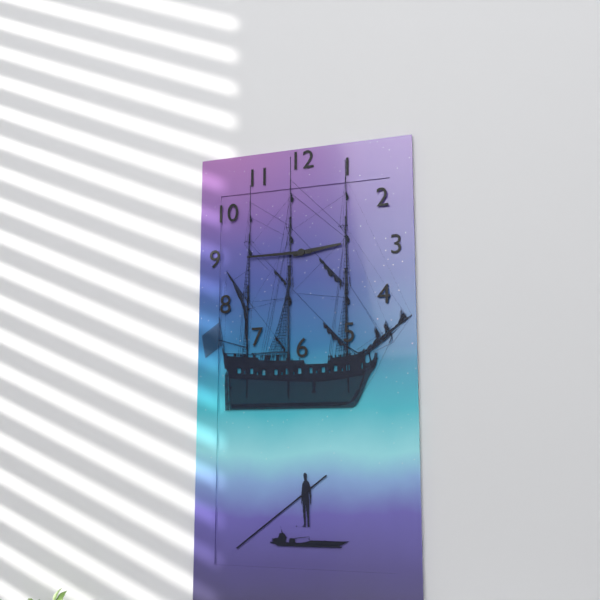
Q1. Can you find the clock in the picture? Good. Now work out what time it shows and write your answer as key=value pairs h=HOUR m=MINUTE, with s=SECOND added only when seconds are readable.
h=2 m=45
